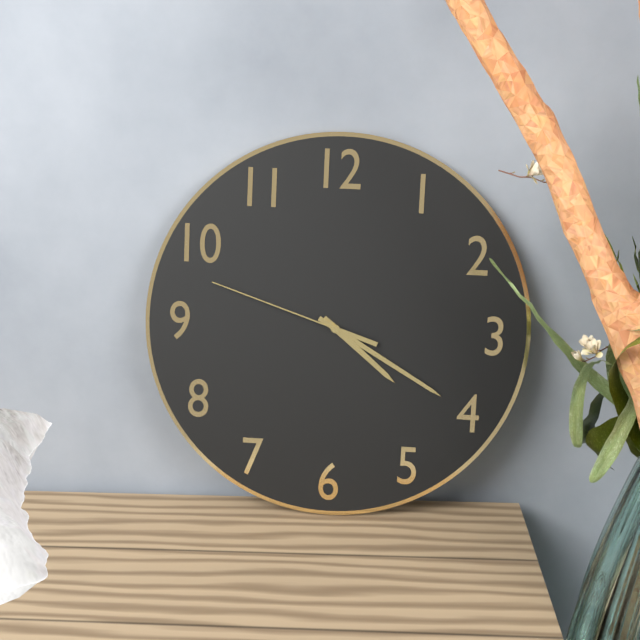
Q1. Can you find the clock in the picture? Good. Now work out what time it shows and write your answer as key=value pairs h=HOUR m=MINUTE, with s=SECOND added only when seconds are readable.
h=4 m=20 s=48
